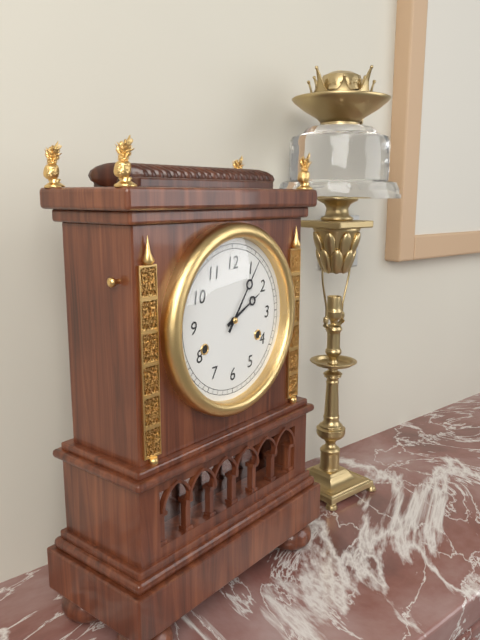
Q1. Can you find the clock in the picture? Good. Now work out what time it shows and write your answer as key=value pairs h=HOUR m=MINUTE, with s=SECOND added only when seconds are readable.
h=2 m=6
